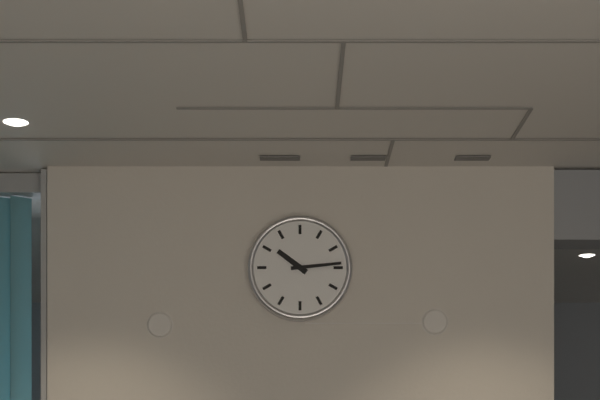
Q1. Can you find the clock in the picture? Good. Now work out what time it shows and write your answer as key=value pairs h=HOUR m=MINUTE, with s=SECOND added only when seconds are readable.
h=10 m=14
